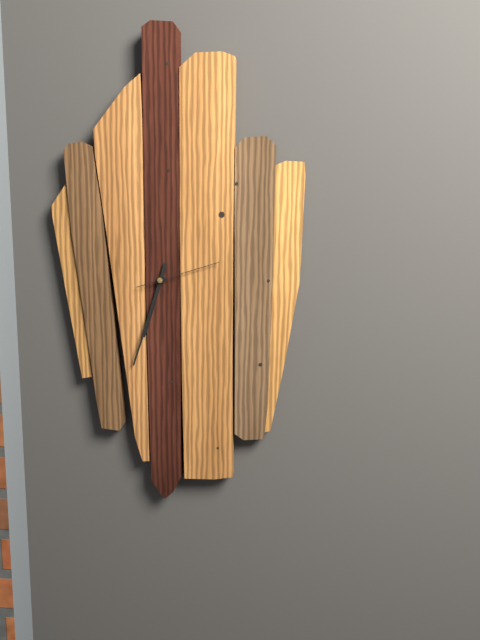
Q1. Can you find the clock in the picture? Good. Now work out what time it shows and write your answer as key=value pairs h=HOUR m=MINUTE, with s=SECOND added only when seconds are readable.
h=6 m=33 s=12
